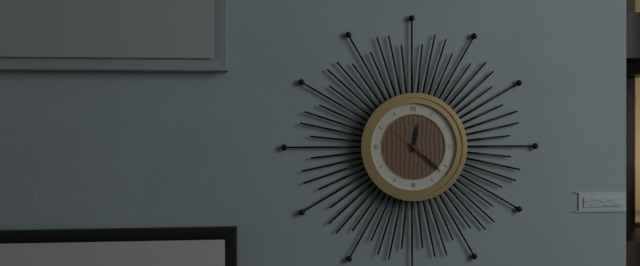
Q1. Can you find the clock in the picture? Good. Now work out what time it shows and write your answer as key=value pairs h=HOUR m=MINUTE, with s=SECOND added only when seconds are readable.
h=12 m=22
